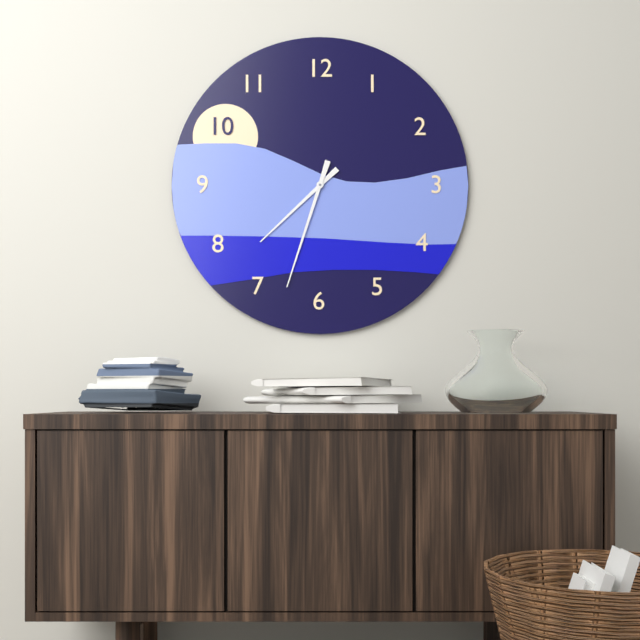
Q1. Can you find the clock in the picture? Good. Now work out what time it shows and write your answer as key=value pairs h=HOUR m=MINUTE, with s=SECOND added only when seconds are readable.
h=7 m=33
